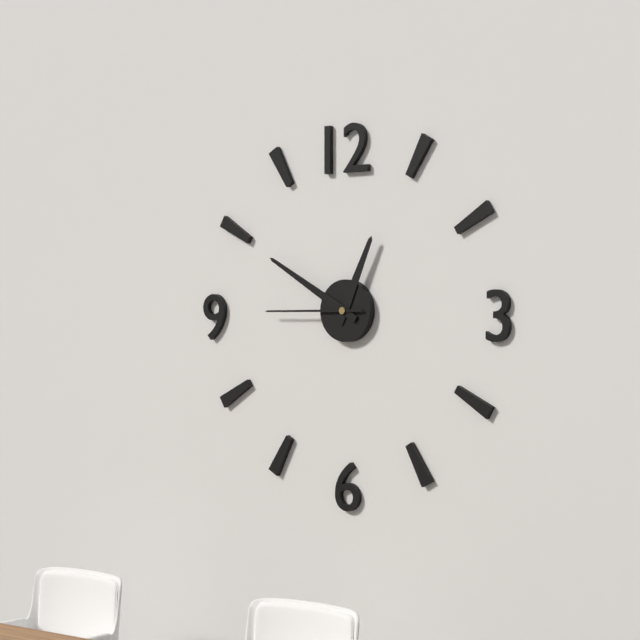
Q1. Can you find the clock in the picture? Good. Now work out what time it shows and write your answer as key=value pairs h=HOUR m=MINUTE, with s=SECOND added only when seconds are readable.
h=12 m=50 s=45
